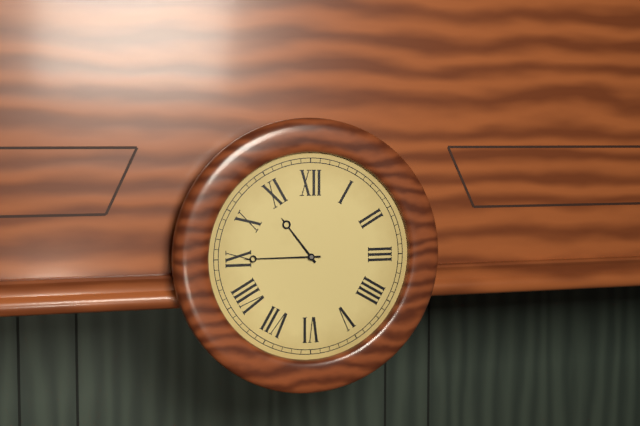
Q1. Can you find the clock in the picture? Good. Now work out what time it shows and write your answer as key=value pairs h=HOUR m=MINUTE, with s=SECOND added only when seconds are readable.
h=10 m=45
